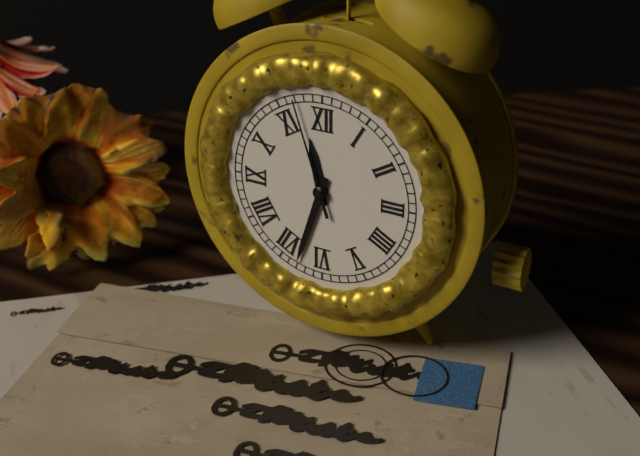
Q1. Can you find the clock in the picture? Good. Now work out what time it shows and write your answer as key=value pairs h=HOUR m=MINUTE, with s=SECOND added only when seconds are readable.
h=11 m=33 s=57
